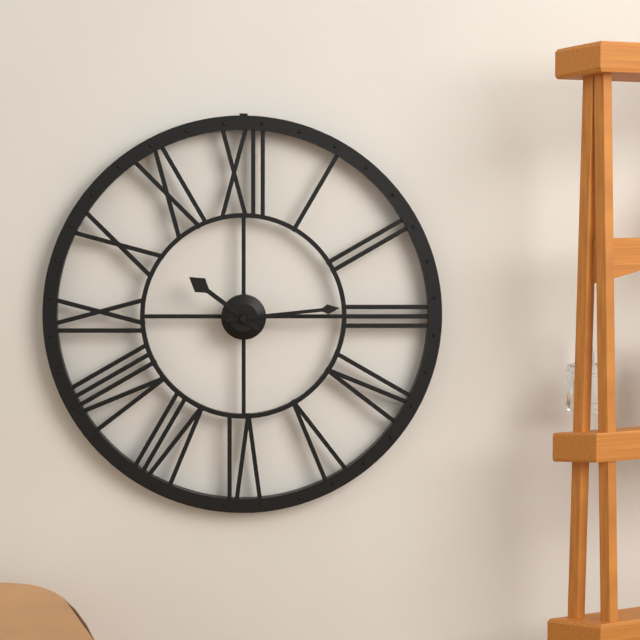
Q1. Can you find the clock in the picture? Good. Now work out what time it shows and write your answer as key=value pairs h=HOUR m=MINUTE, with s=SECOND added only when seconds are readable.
h=10 m=14
